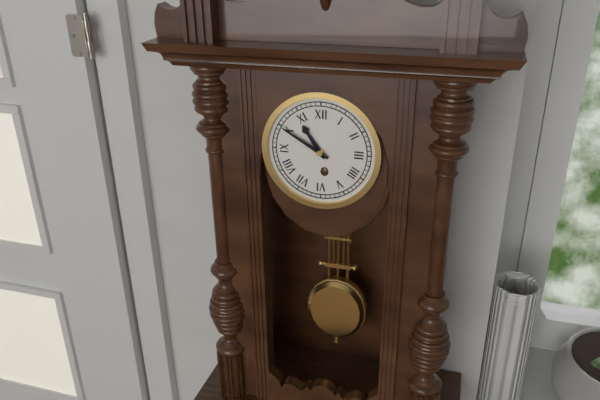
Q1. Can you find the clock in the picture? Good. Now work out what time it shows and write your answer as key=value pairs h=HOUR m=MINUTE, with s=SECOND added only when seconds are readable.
h=10 m=50
